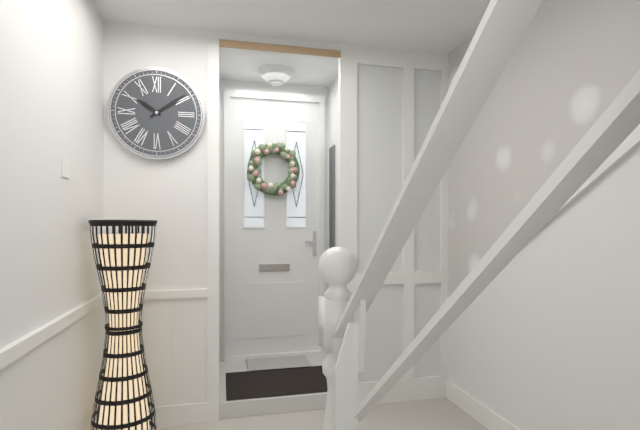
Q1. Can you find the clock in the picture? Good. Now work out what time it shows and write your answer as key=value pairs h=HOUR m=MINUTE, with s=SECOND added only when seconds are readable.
h=10 m=9
